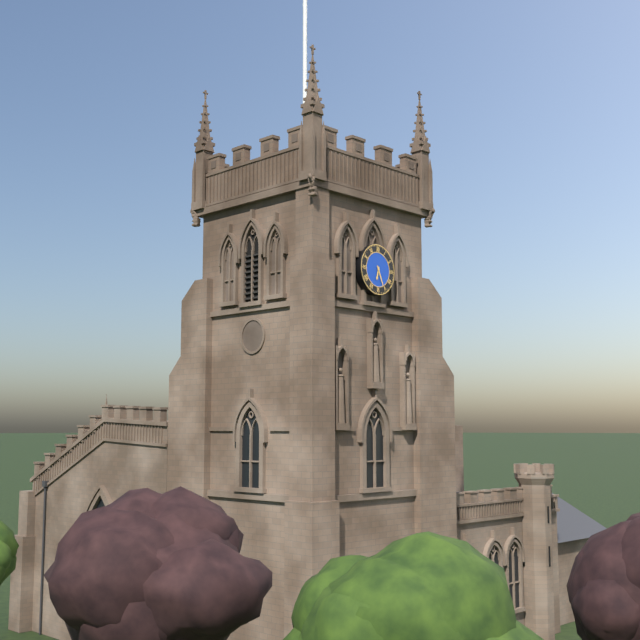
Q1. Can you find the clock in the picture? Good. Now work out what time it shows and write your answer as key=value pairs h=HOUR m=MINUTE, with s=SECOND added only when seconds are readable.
h=6 m=26
